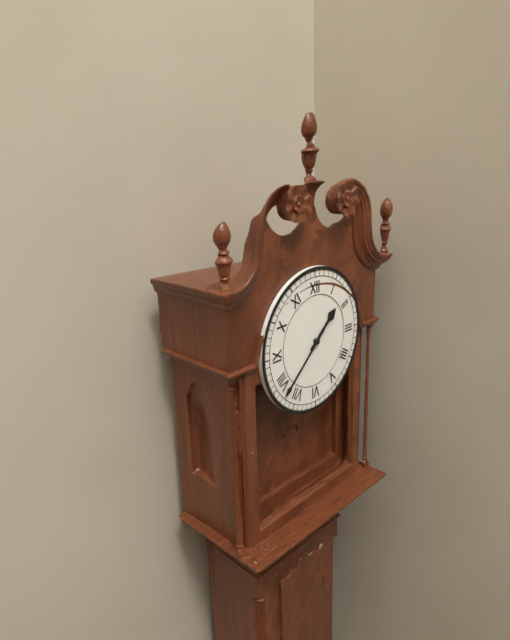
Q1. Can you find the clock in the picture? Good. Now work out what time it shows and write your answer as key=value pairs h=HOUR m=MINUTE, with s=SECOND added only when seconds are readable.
h=1 m=38
